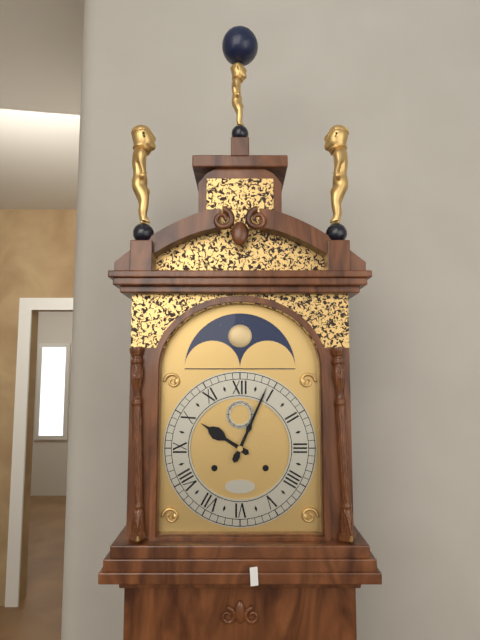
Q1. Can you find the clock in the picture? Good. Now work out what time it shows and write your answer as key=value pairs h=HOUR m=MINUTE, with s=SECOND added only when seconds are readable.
h=10 m=4
